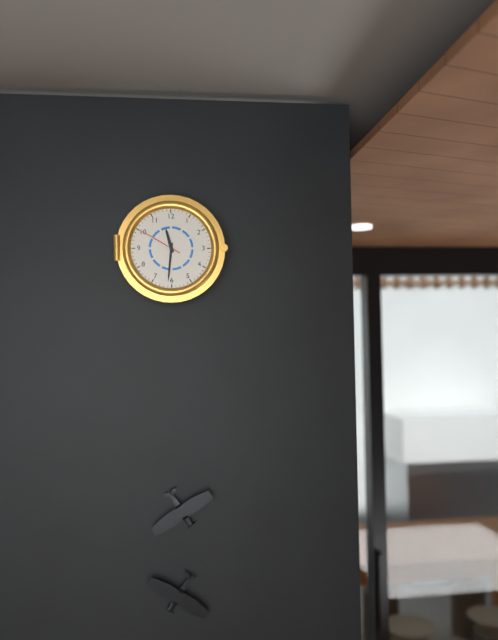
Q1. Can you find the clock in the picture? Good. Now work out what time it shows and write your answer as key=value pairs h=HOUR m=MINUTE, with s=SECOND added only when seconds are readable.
h=11 m=31
